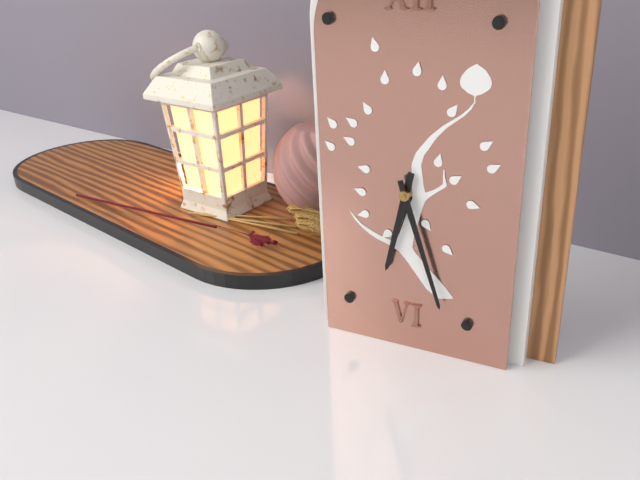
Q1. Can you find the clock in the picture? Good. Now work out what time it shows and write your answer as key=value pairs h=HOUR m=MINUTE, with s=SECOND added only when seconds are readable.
h=6 m=27
